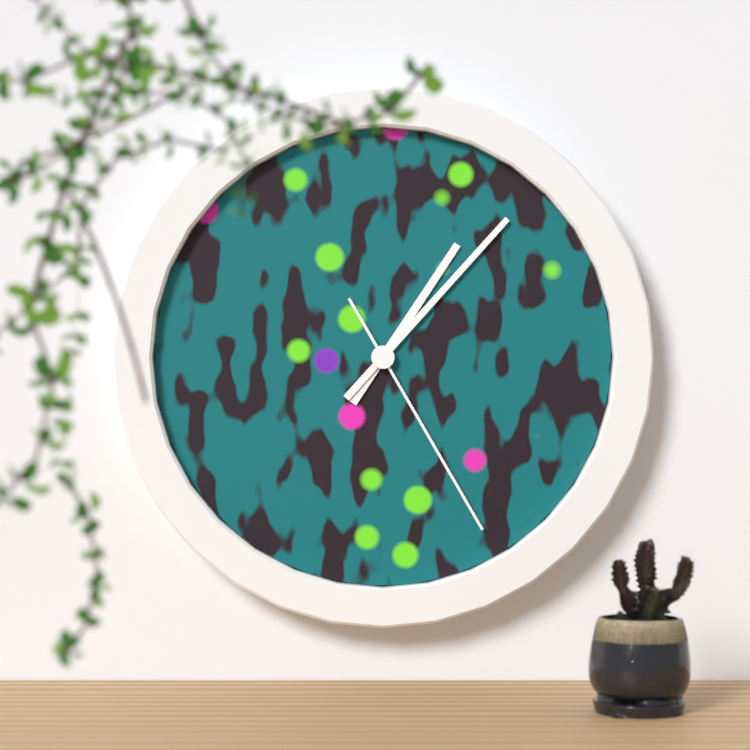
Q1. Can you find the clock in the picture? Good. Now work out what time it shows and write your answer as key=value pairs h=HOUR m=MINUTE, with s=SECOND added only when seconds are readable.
h=1 m=7 s=25
